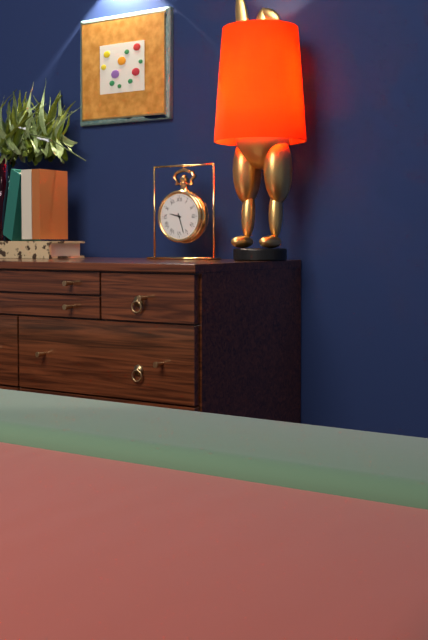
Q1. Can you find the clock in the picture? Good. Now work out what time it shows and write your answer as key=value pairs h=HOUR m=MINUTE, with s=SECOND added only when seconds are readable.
h=9 m=27
